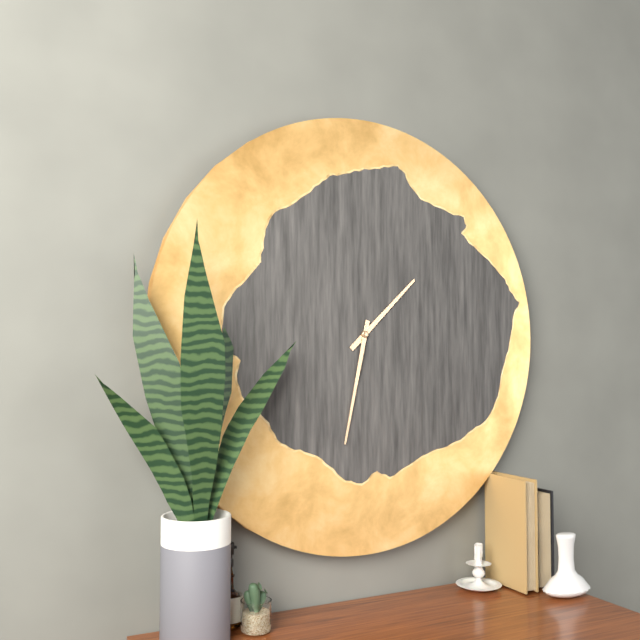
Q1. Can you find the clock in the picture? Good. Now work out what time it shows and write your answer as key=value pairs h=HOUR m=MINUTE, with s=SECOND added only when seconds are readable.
h=1 m=32
